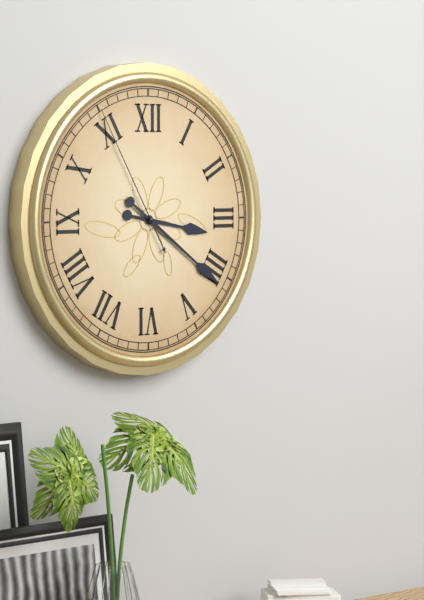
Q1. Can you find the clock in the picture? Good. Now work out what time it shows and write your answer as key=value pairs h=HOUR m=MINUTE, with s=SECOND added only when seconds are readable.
h=3 m=21 s=55
